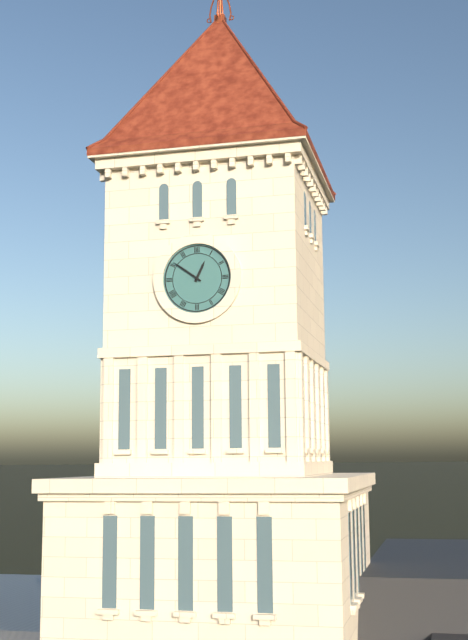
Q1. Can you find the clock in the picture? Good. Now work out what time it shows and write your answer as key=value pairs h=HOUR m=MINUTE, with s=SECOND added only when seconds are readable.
h=12 m=51
